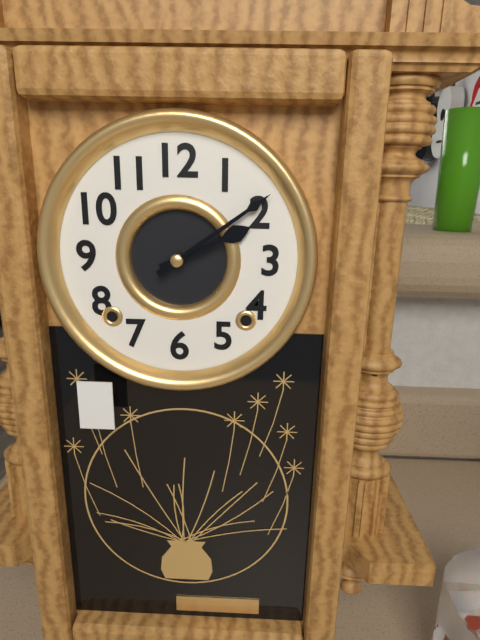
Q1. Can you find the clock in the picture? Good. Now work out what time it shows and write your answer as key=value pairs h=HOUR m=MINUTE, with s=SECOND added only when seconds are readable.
h=2 m=9
